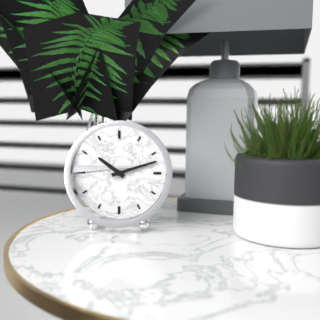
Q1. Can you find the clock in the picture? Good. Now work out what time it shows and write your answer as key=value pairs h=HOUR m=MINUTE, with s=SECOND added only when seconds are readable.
h=10 m=12
